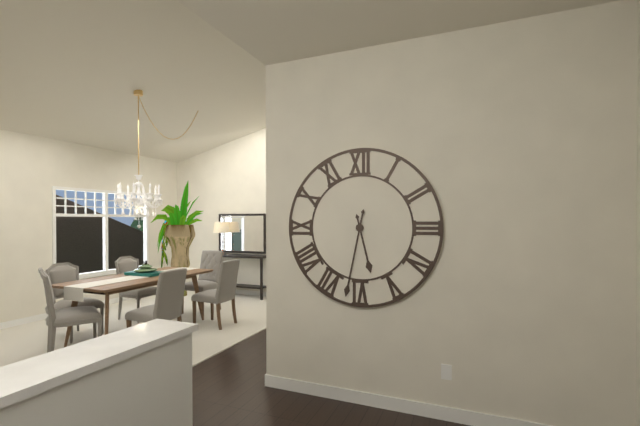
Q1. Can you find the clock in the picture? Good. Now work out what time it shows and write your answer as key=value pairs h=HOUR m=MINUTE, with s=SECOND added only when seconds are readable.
h=5 m=32
